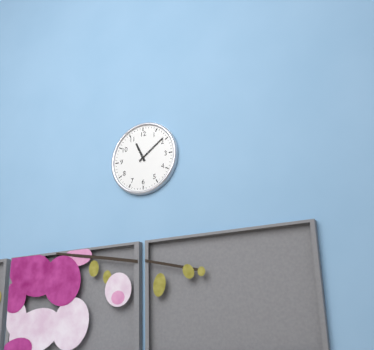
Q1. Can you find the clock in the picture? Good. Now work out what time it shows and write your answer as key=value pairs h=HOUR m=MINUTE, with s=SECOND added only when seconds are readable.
h=11 m=9
